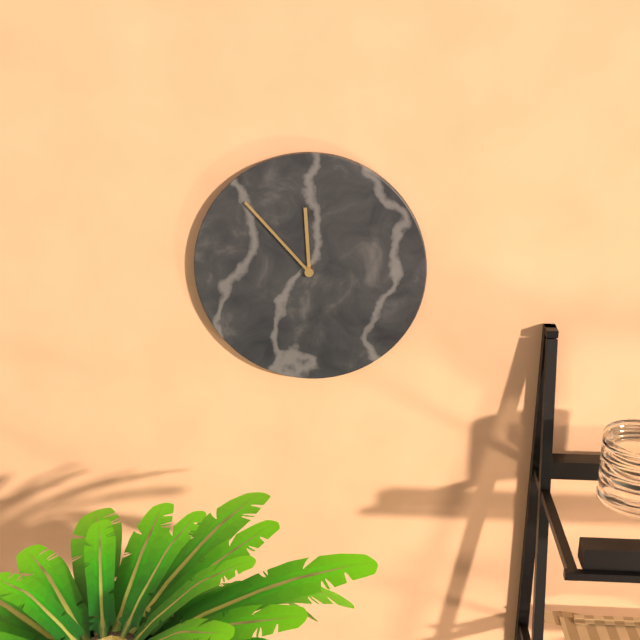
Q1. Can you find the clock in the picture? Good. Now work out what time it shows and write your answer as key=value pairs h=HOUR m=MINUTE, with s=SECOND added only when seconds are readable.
h=11 m=53
